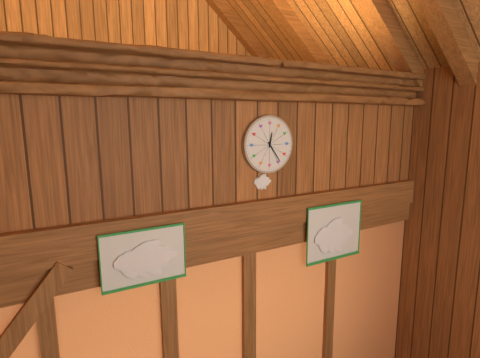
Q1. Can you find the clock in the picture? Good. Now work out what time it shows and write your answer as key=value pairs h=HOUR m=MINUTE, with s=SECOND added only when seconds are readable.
h=12 m=24
